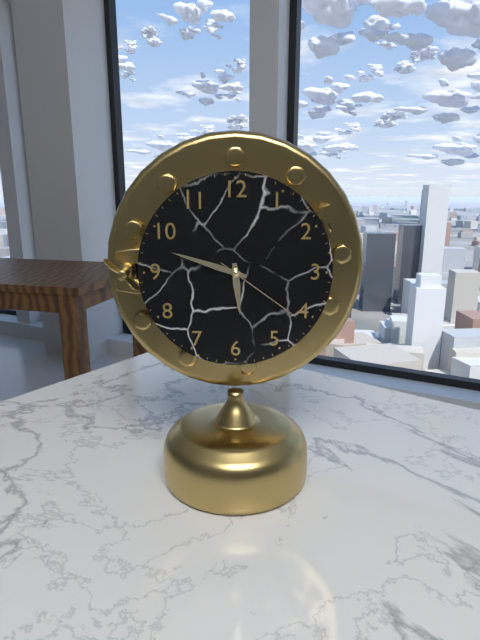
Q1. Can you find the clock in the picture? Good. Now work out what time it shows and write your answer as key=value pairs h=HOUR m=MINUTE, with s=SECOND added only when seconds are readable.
h=5 m=48 s=21
